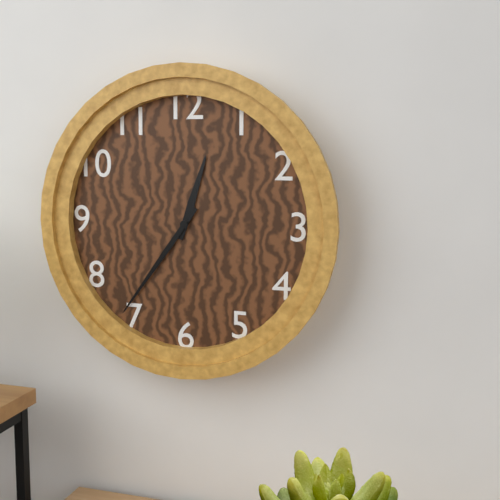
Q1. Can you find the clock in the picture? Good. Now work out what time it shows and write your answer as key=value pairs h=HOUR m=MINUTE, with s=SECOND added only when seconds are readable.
h=12 m=36
